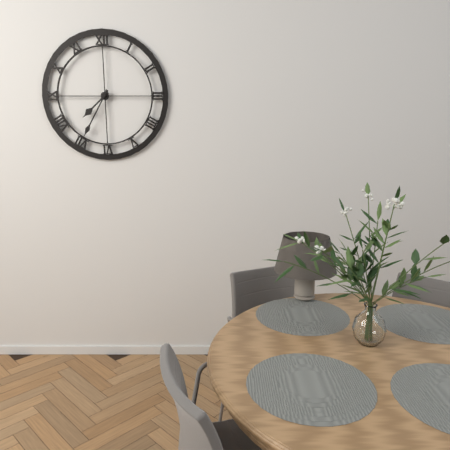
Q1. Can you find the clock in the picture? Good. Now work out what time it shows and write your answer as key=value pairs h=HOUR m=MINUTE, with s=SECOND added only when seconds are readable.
h=7 m=35
